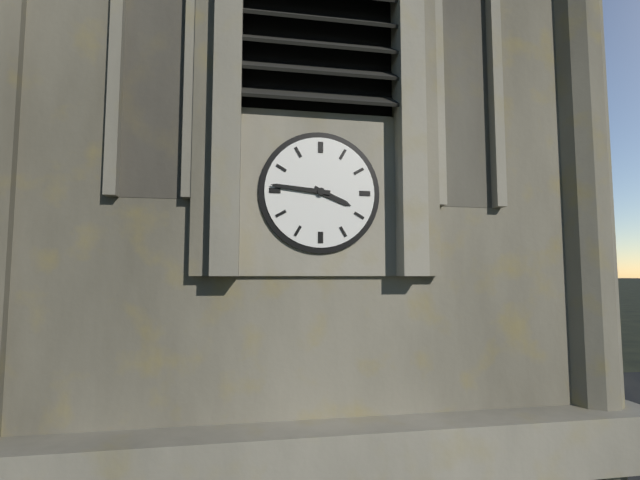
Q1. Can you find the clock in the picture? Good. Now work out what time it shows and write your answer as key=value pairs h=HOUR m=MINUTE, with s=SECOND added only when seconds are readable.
h=3 m=46
